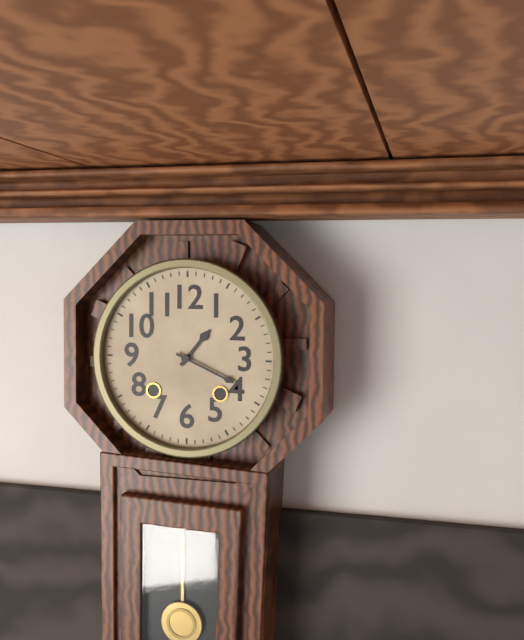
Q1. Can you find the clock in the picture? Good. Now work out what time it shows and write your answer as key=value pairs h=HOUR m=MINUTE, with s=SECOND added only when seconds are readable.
h=1 m=19
